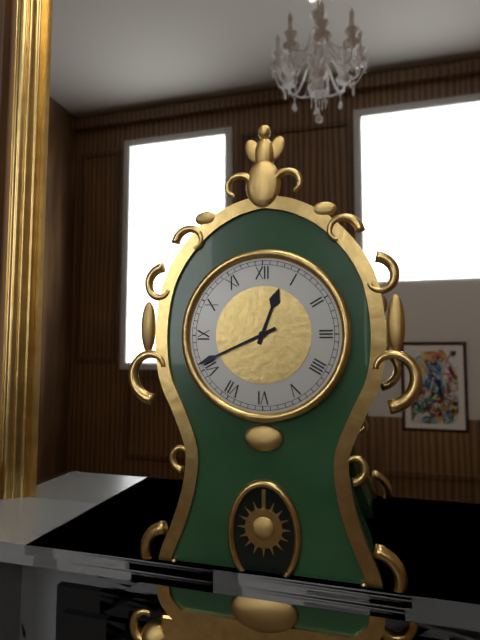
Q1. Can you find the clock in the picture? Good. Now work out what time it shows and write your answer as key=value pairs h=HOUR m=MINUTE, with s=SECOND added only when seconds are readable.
h=12 m=41
